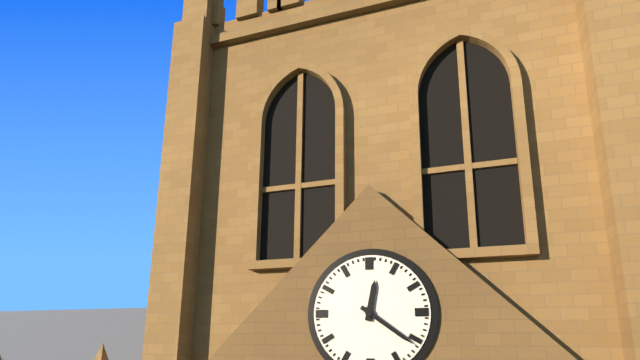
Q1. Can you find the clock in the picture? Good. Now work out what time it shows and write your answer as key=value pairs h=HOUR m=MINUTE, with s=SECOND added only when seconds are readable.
h=12 m=21
